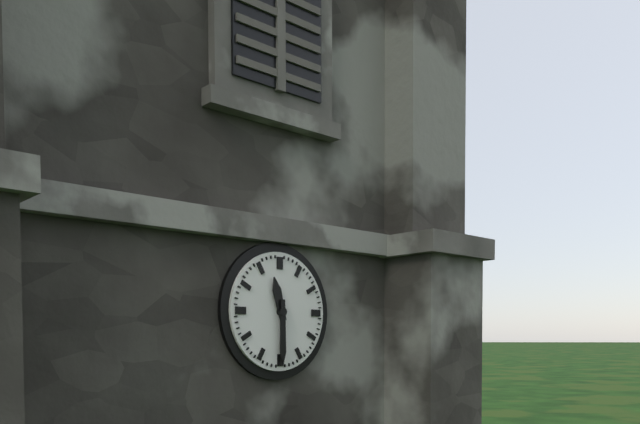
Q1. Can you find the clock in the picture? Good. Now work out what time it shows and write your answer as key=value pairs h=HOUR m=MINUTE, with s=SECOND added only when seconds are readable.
h=11 m=30
